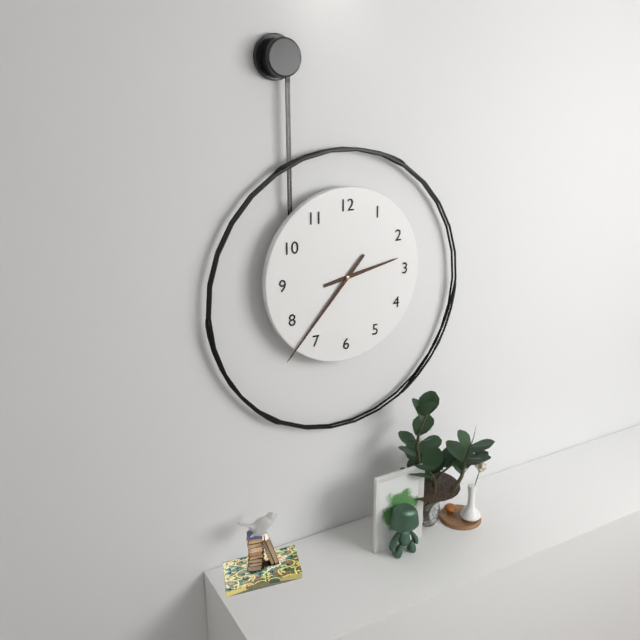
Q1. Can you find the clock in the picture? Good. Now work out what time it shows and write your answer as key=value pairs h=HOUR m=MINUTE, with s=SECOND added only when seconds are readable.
h=2 m=37
